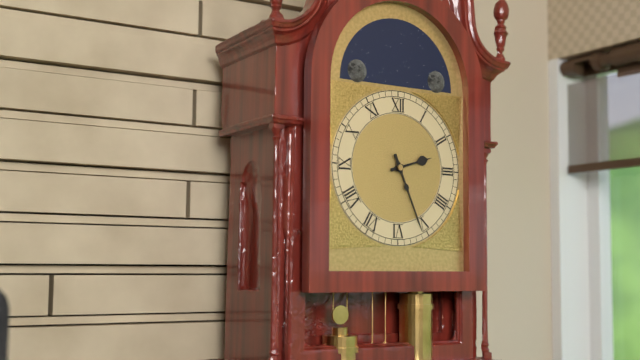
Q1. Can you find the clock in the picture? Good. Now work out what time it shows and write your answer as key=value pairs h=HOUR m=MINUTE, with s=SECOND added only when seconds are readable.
h=2 m=26
